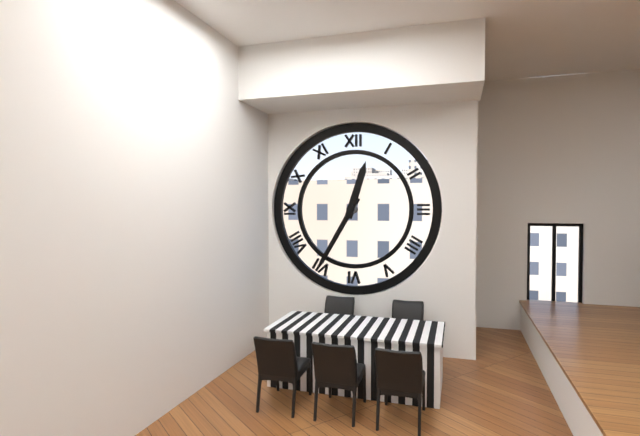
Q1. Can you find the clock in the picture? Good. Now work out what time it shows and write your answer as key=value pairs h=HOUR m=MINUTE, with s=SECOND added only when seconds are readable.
h=12 m=35
